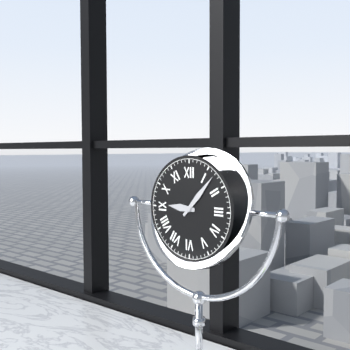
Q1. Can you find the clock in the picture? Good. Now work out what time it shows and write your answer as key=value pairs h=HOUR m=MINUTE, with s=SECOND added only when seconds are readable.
h=9 m=7
